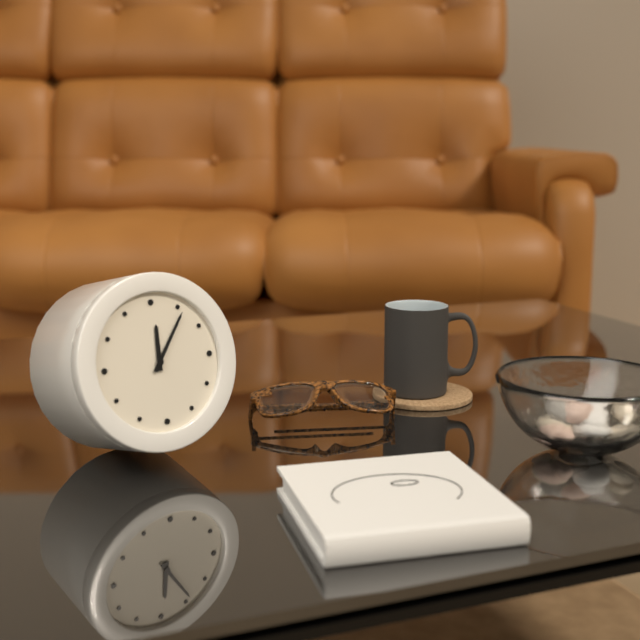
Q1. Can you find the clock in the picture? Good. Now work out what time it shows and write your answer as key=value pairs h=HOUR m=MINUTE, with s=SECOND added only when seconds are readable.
h=12 m=6
